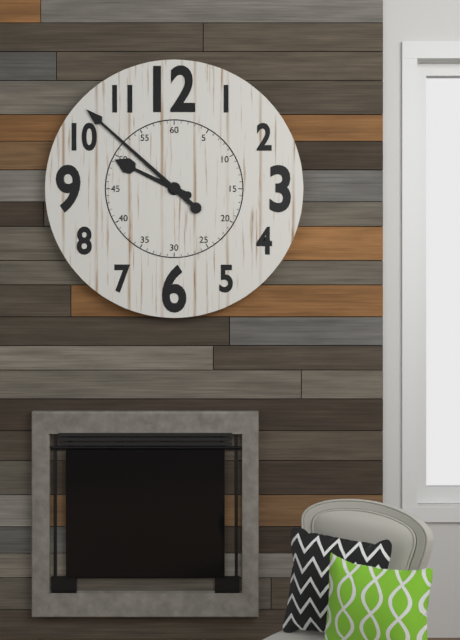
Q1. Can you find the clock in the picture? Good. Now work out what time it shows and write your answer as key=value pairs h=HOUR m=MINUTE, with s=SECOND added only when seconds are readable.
h=9 m=52
